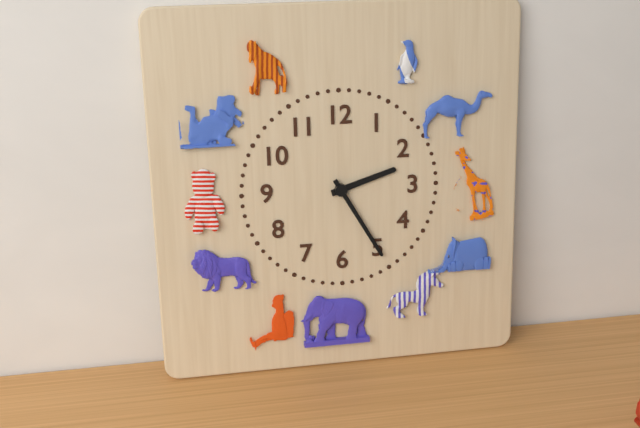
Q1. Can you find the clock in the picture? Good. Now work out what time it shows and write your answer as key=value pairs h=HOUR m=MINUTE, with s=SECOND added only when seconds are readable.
h=2 m=25
